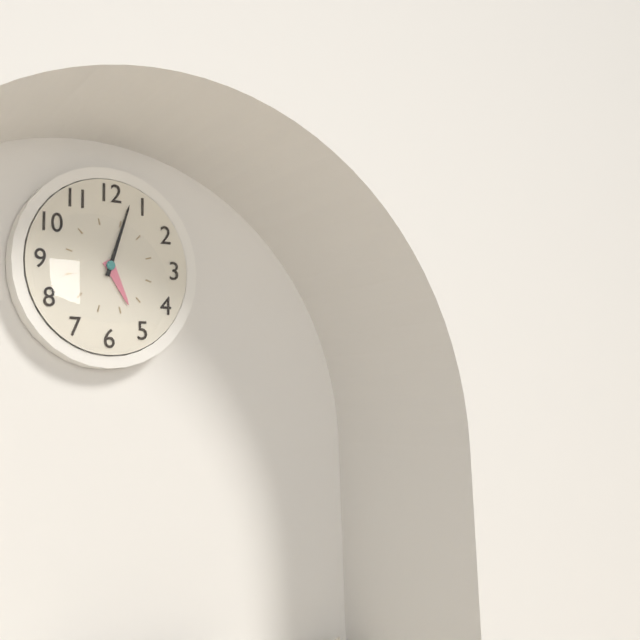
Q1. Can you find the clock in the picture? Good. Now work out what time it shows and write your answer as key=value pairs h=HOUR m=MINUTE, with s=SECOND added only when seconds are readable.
h=5 m=3
